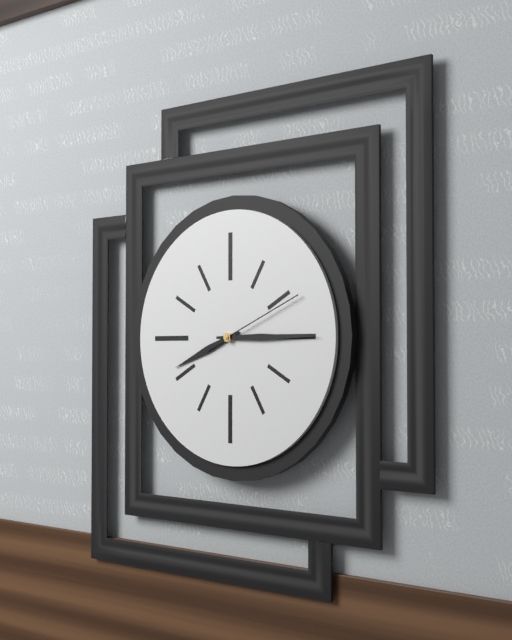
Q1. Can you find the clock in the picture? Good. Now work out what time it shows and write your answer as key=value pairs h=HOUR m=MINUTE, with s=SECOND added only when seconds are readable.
h=8 m=15 s=11
